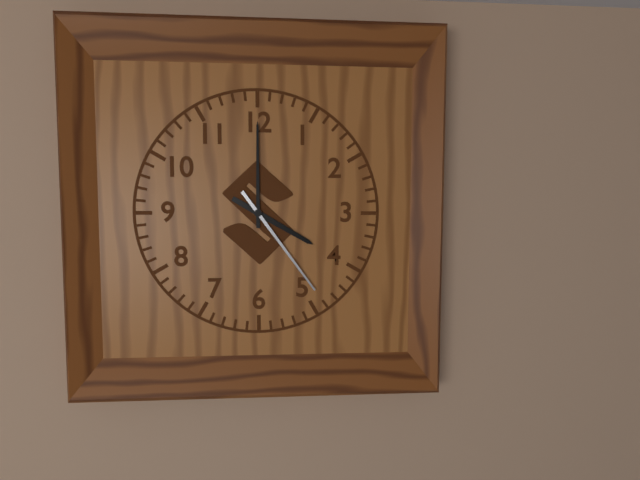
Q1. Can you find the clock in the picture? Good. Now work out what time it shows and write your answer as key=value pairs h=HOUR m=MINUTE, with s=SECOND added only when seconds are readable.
h=4 m=0 s=24
